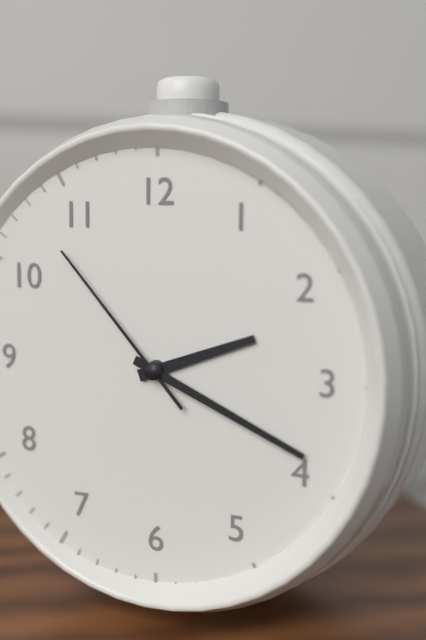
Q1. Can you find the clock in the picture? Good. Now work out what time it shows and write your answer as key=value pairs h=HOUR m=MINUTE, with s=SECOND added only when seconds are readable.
h=2 m=19 s=53
